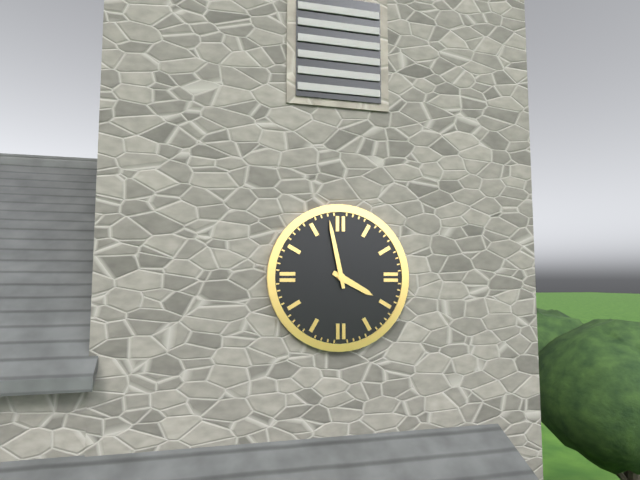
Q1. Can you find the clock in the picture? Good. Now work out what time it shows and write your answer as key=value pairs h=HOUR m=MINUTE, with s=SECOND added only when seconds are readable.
h=3 m=58
